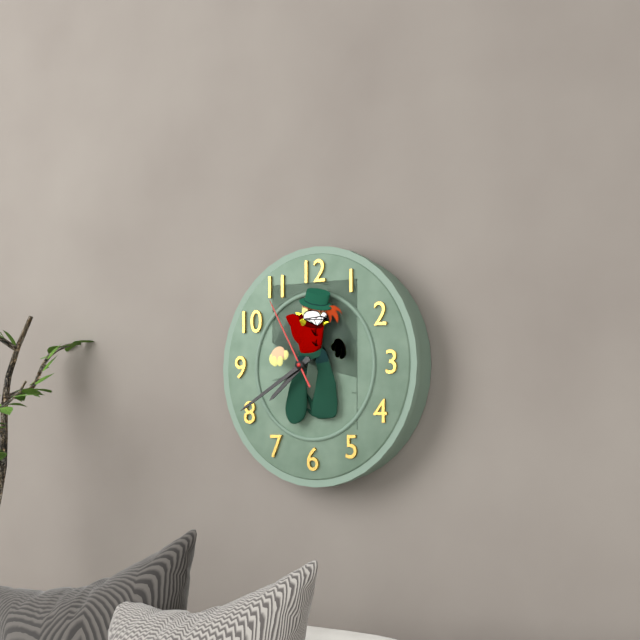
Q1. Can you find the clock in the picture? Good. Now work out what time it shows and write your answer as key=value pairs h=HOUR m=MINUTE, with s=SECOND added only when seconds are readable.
h=7 m=40 s=55
